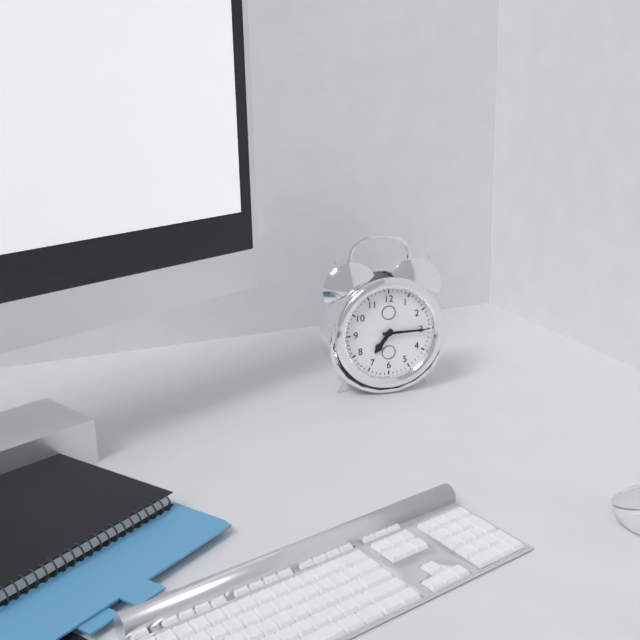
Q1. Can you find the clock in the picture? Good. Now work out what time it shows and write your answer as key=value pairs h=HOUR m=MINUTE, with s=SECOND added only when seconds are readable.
h=7 m=15
